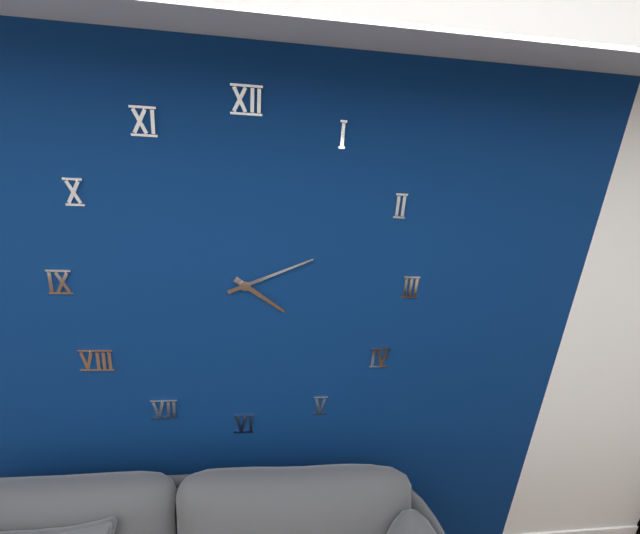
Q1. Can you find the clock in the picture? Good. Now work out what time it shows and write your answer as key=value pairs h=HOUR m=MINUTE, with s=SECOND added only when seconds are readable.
h=4 m=11
